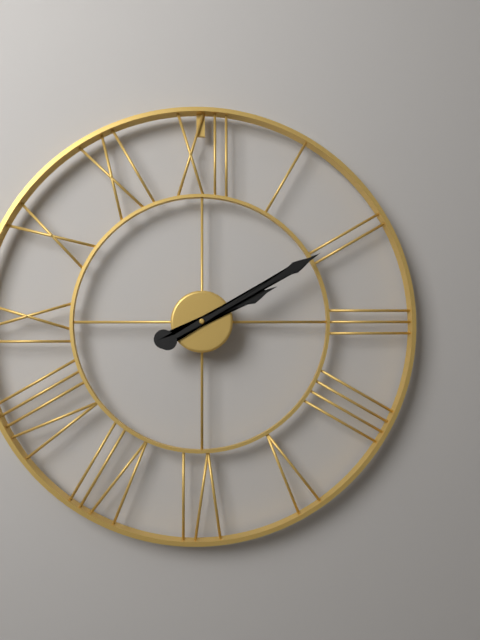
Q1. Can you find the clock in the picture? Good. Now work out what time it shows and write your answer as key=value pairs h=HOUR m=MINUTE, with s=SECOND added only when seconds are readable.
h=2 m=10
